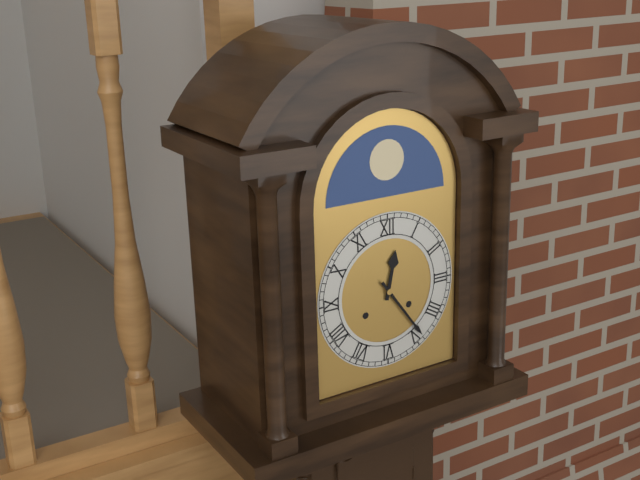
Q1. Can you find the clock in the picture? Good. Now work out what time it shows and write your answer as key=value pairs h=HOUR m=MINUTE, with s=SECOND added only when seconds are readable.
h=12 m=24
